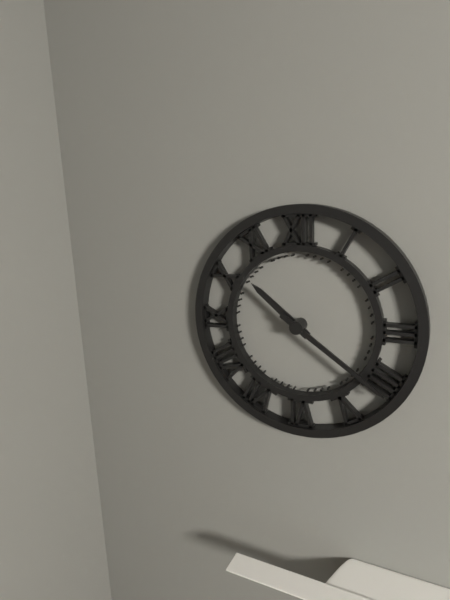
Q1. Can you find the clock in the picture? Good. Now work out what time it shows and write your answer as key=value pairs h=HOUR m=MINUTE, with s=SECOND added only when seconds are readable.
h=10 m=21
